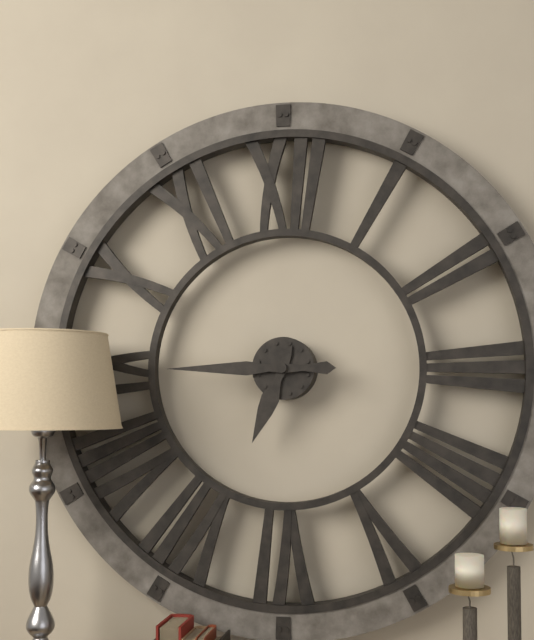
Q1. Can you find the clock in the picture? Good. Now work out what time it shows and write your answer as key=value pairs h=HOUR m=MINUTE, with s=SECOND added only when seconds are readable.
h=6 m=45
